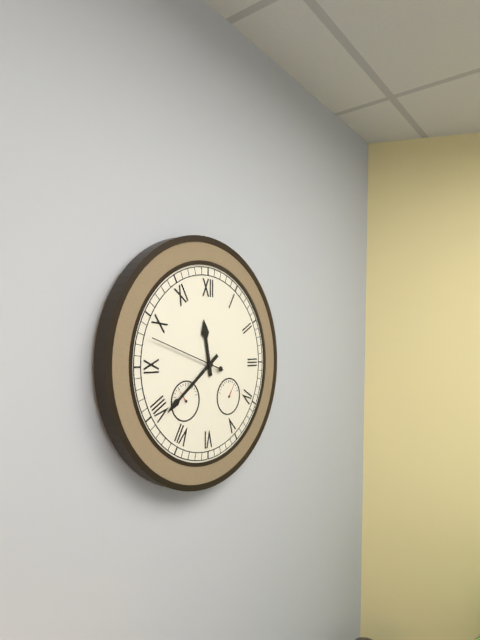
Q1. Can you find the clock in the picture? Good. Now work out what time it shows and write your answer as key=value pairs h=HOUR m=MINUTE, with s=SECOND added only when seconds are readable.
h=11 m=39 s=48
